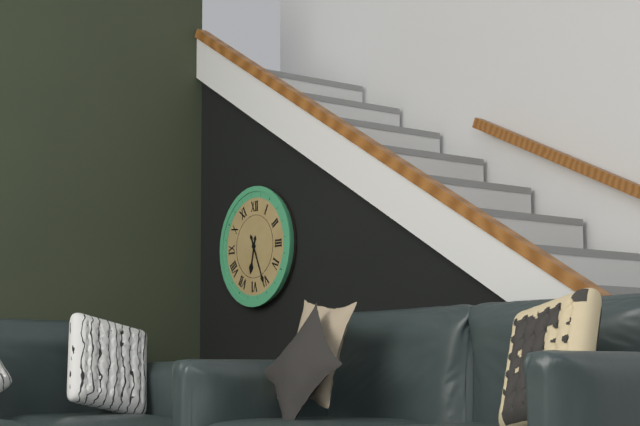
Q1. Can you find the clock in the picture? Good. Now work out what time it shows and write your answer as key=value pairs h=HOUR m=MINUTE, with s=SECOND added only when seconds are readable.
h=6 m=26
